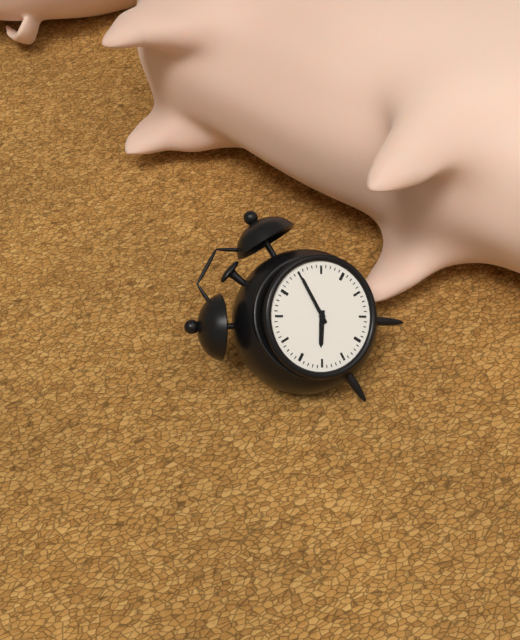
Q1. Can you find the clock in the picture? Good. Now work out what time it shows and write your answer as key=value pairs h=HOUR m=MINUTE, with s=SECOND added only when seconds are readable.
h=8 m=5
